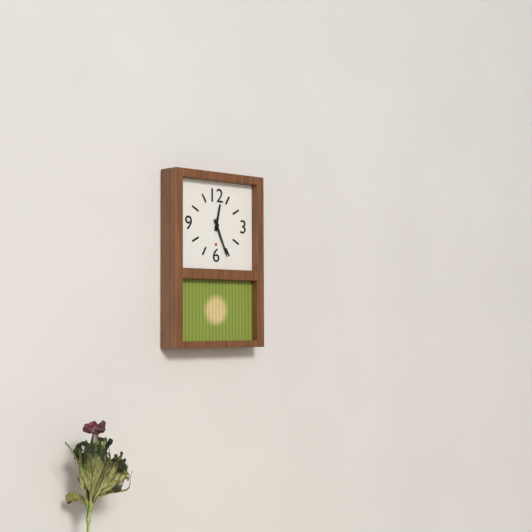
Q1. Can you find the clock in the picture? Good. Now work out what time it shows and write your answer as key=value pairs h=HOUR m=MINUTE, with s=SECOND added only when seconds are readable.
h=12 m=26
